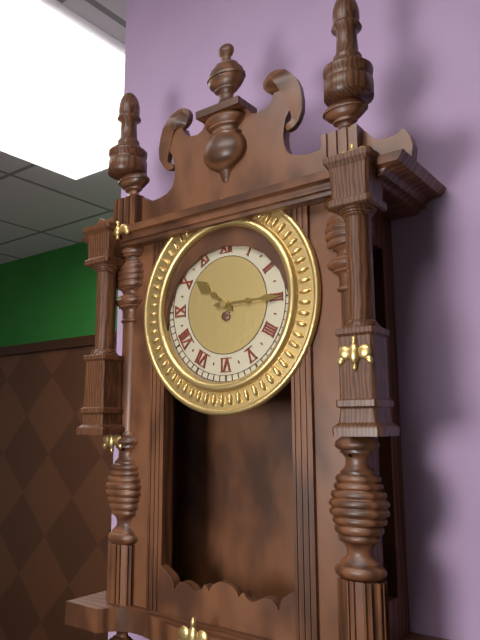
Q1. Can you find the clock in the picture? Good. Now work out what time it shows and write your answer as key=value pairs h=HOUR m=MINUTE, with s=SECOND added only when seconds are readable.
h=10 m=15
